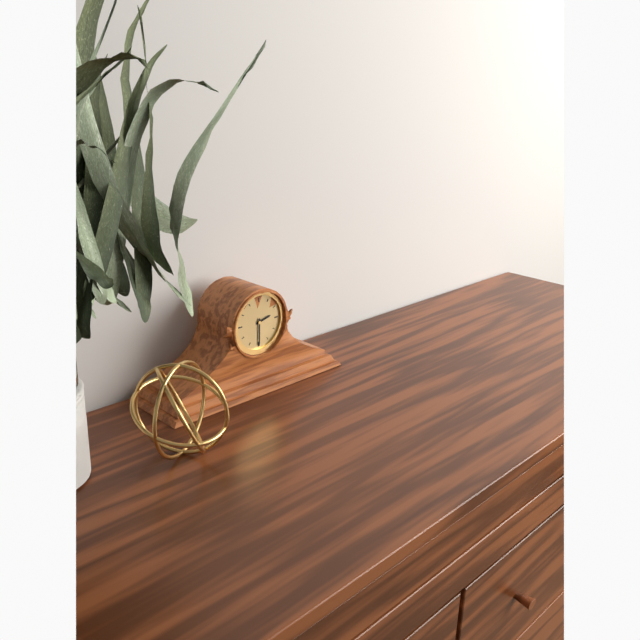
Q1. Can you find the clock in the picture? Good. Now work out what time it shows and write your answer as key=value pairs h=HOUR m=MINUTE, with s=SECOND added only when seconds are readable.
h=2 m=30
